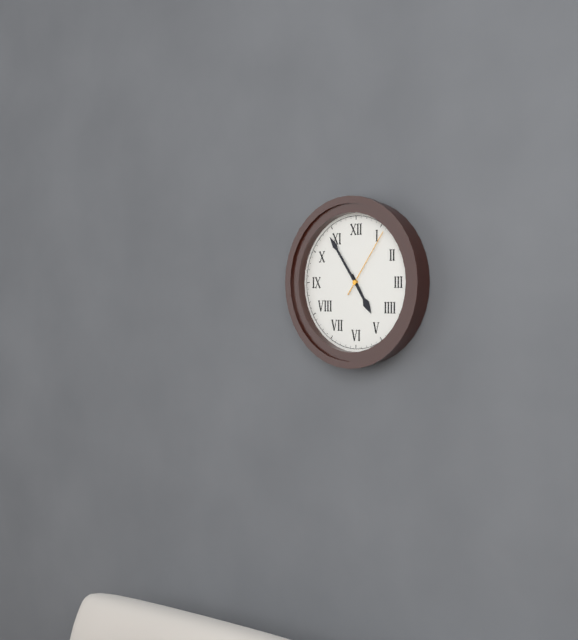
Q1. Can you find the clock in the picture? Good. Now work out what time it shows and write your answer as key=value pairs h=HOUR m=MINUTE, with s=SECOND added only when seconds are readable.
h=4 m=54 s=6
